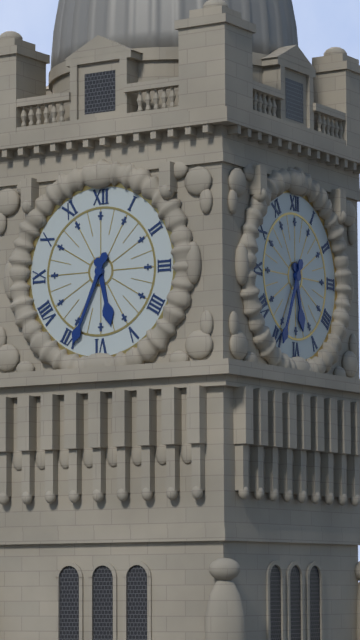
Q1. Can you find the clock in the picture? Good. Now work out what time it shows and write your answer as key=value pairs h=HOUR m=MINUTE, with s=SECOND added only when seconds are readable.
h=5 m=34
